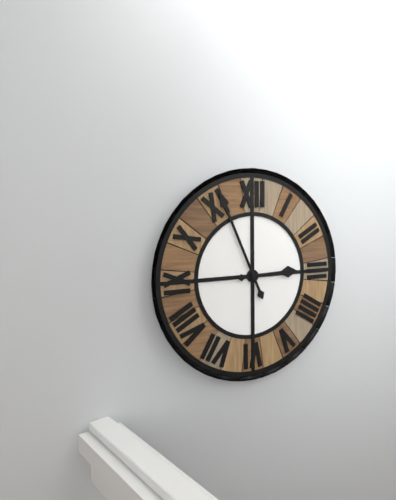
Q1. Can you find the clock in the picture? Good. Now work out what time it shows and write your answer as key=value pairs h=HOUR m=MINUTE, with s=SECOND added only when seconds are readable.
h=2 m=56
